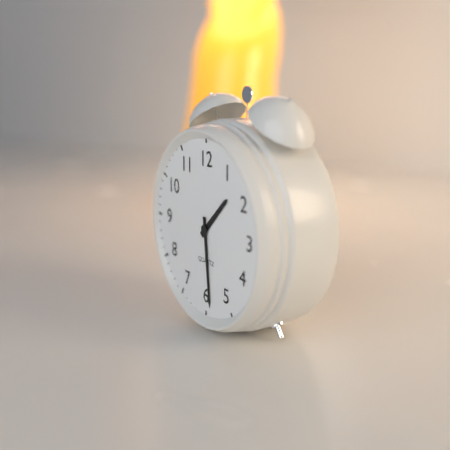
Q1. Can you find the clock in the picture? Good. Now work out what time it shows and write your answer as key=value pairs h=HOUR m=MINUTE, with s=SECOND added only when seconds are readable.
h=1 m=29
